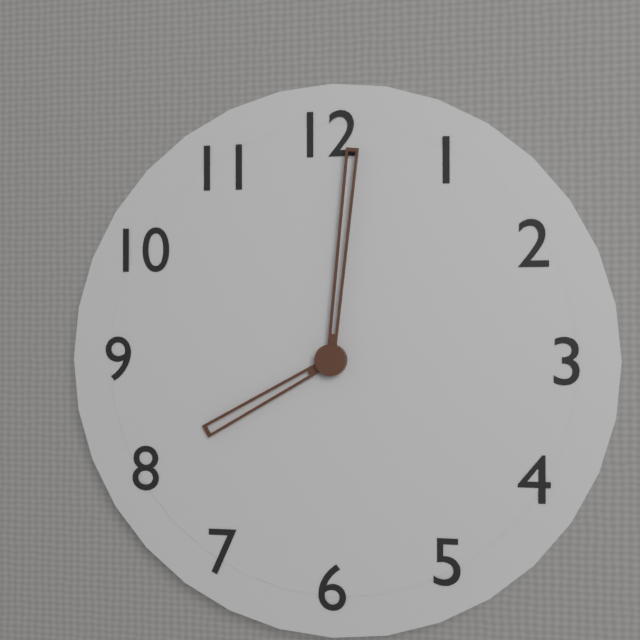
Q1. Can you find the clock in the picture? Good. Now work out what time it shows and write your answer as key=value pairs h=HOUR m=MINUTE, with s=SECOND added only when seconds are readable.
h=8 m=1
